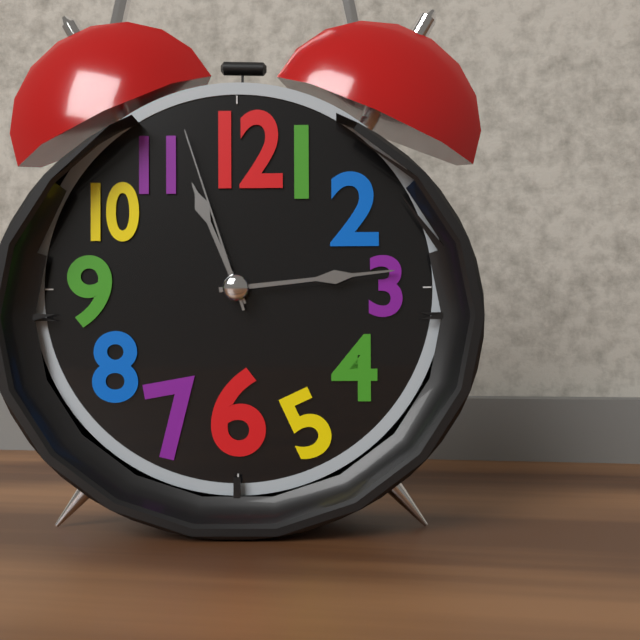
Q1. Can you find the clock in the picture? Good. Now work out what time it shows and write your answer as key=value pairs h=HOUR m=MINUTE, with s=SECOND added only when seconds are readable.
h=11 m=14 s=57
